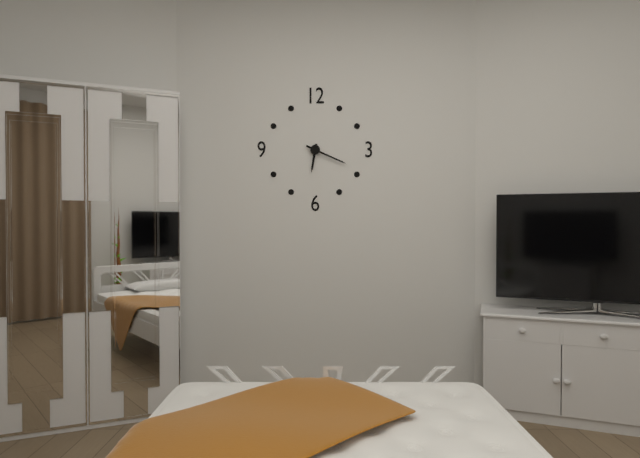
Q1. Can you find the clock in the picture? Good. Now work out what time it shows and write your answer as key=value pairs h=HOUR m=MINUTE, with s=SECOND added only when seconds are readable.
h=6 m=19
